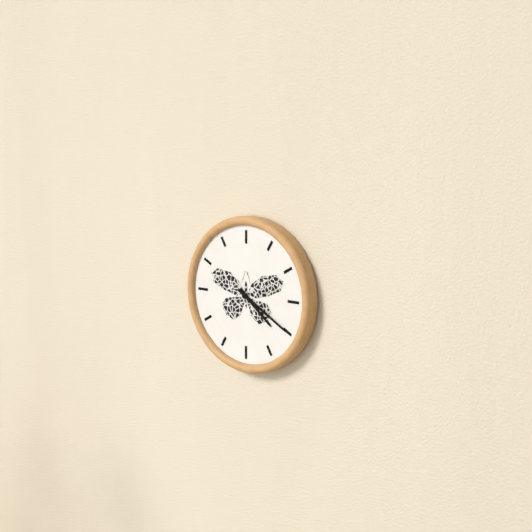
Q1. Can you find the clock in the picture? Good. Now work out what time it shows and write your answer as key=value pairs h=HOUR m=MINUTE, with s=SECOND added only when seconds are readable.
h=4 m=20
